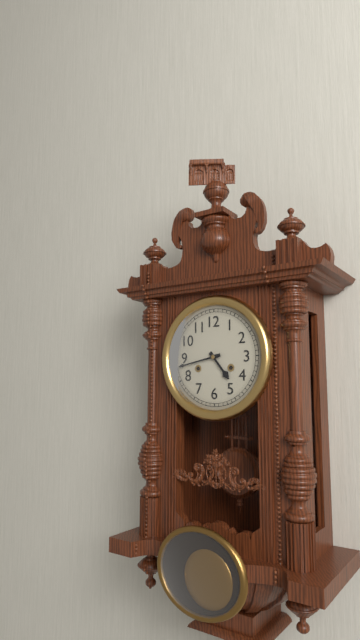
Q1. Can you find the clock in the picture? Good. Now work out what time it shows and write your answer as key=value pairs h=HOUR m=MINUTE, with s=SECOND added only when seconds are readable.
h=4 m=43
